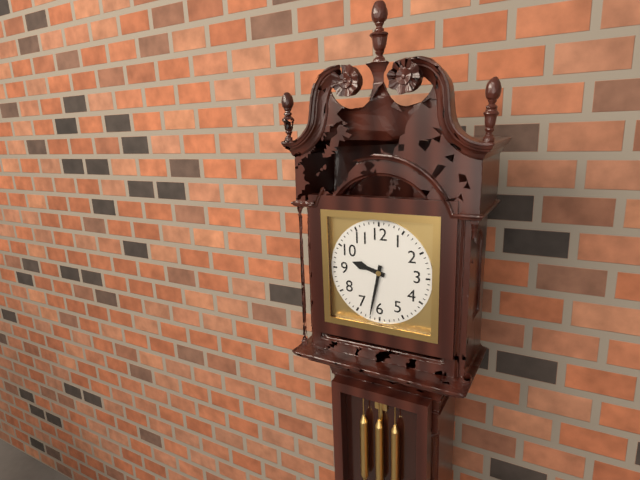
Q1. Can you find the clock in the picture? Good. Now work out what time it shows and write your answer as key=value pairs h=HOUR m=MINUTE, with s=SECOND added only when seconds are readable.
h=9 m=32
